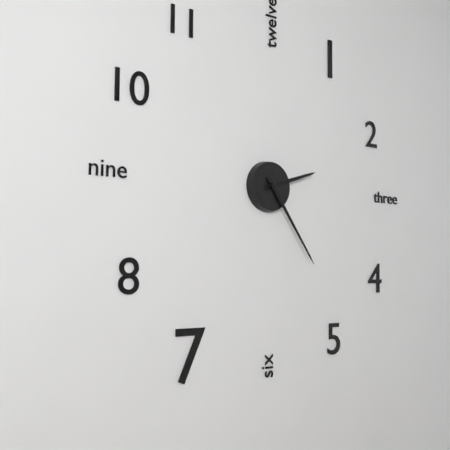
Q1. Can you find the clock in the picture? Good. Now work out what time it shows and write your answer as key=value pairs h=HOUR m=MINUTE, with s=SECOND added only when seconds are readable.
h=2 m=24
